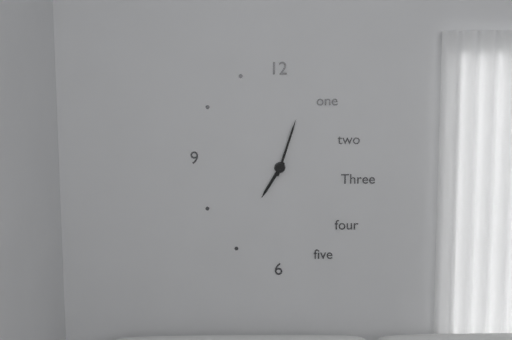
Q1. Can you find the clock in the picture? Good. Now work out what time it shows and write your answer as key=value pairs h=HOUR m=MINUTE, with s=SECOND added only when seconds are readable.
h=7 m=3
